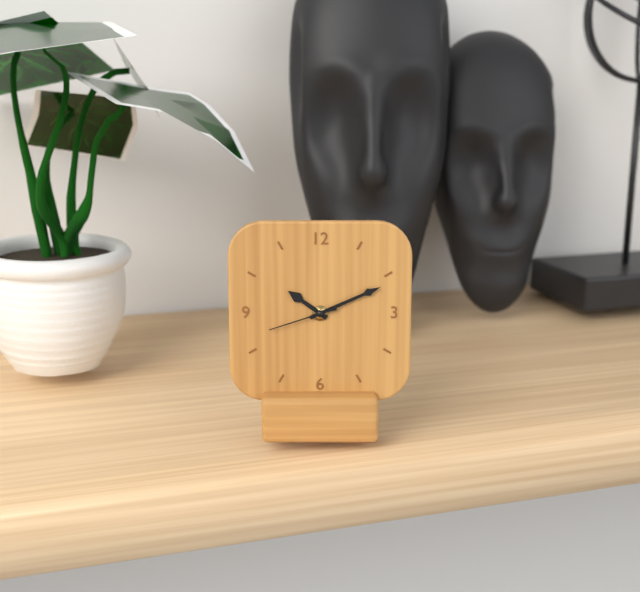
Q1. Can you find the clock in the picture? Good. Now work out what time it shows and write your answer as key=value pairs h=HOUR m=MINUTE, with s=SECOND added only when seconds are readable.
h=10 m=11 s=42
